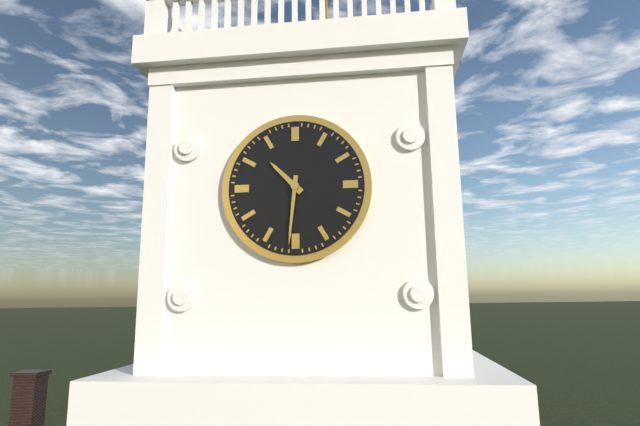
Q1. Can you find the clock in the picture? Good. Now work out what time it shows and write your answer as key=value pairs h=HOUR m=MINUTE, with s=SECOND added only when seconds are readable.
h=10 m=31
